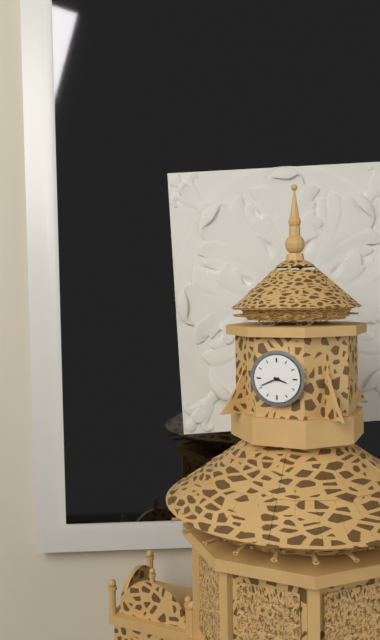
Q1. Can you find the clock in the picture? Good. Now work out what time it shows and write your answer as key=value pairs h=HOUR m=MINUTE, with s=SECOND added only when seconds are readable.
h=3 m=41
